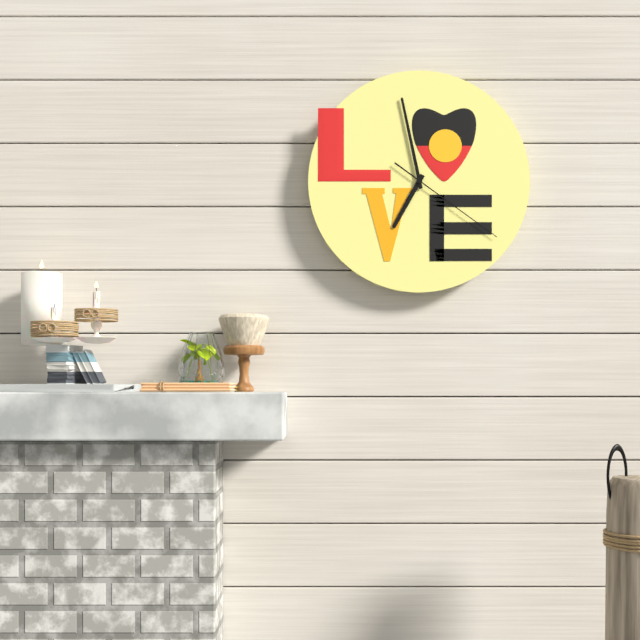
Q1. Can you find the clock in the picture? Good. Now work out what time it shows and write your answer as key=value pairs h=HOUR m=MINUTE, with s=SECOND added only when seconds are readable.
h=6 m=58 s=21
